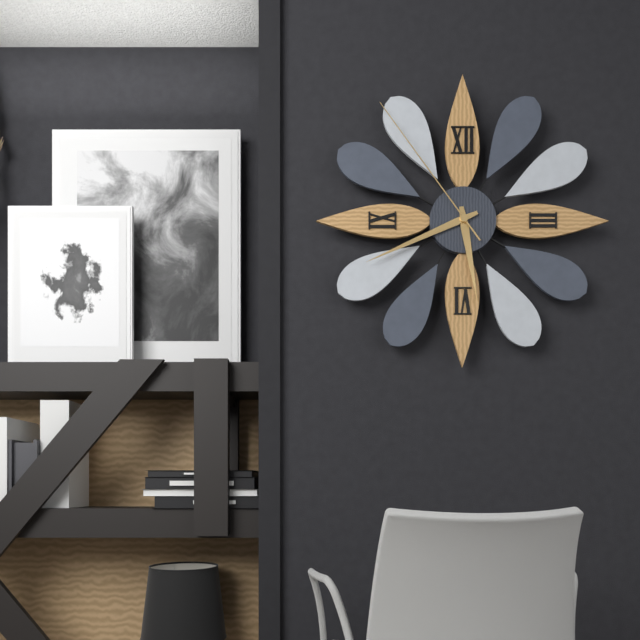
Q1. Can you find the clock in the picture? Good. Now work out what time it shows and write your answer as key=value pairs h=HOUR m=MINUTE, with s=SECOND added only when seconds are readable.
h=5 m=41 s=54
